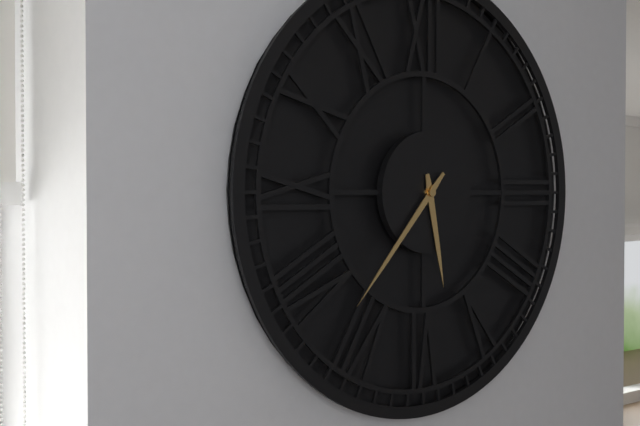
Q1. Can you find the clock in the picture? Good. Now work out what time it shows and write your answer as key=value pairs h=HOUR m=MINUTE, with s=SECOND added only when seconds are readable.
h=5 m=37
